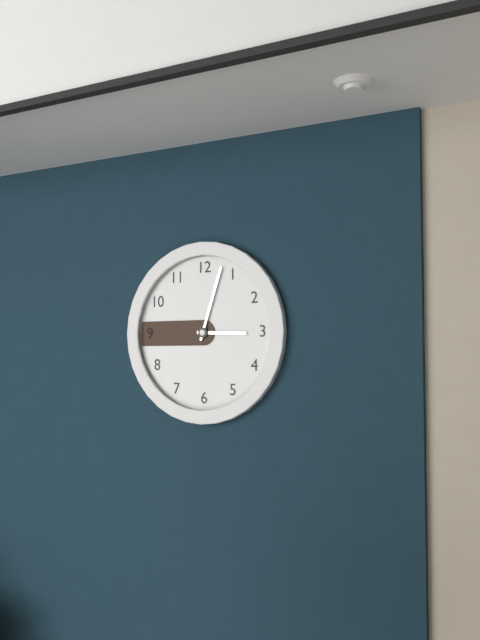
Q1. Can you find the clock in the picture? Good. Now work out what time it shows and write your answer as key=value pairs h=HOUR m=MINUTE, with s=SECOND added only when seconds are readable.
h=3 m=3
